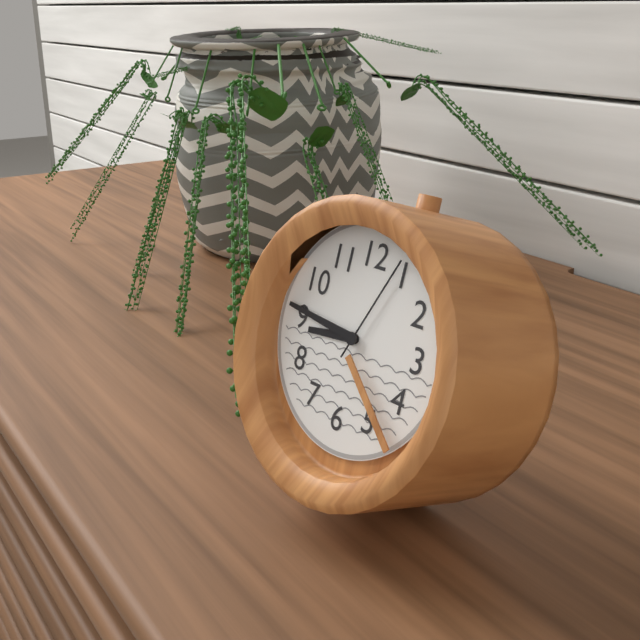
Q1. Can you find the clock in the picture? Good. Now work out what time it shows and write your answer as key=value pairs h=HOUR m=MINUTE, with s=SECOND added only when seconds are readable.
h=8 m=46 s=4
